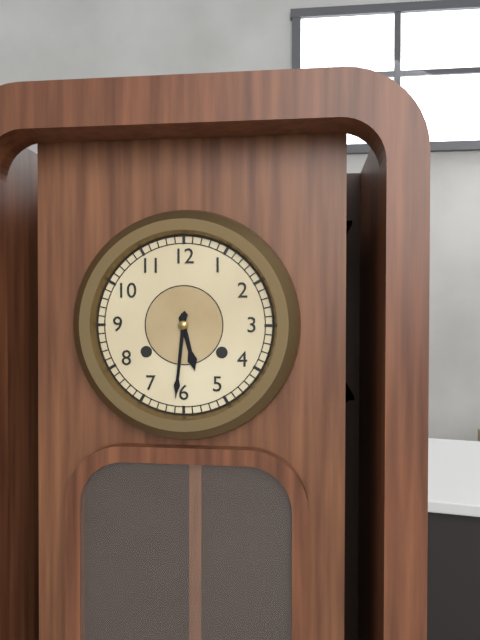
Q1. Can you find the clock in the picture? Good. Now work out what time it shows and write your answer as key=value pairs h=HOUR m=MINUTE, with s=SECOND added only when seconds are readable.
h=5 m=31
